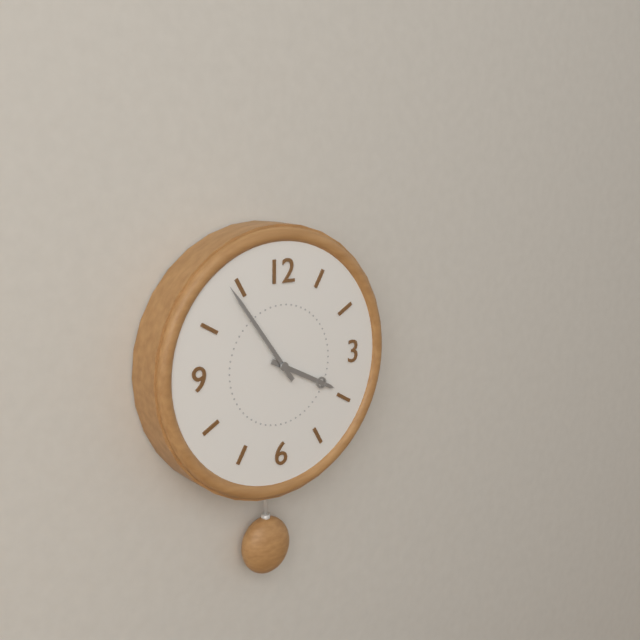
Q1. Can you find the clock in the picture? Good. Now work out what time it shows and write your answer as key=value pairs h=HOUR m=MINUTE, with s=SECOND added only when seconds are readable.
h=3 m=54
